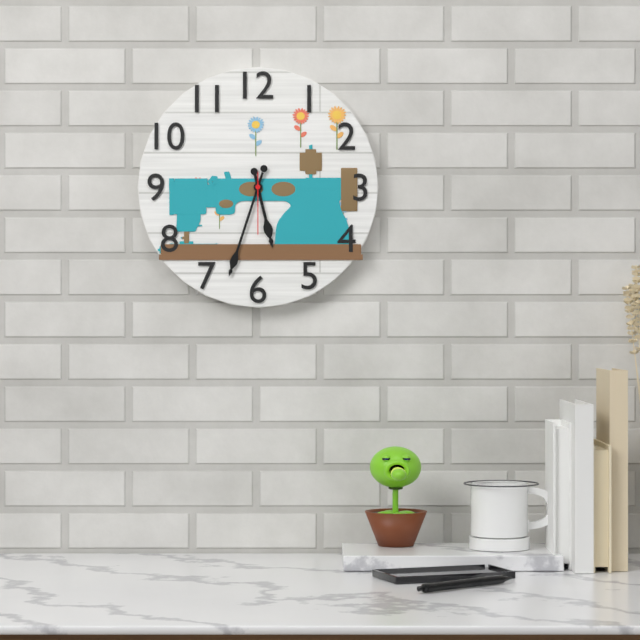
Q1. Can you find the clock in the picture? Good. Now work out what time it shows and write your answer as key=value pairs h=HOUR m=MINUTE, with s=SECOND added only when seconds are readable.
h=5 m=33 s=30
